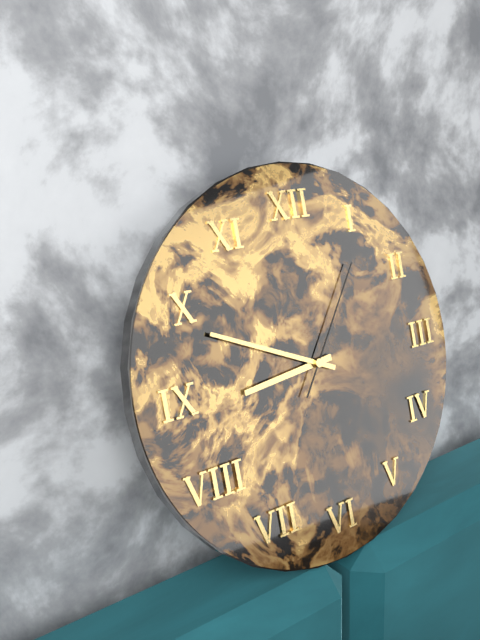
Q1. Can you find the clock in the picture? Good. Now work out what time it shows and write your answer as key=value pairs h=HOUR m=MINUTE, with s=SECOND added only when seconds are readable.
h=8 m=49 s=6
